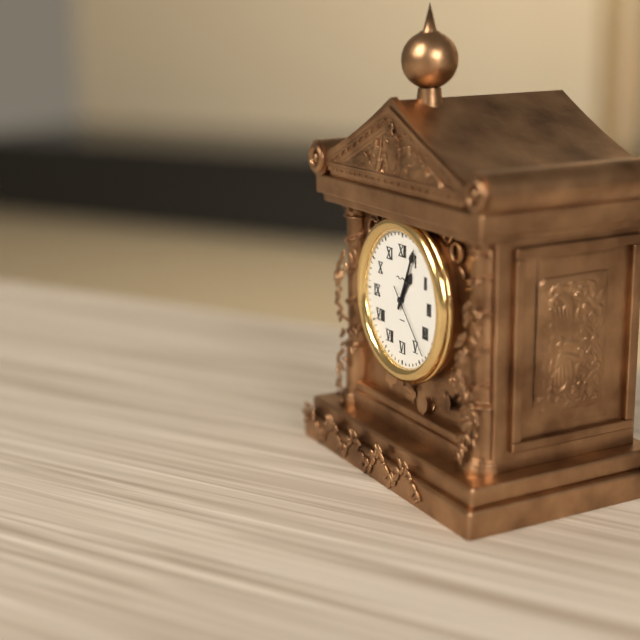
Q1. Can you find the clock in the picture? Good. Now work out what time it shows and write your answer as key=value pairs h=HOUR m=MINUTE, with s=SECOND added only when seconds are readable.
h=1 m=4 s=23
